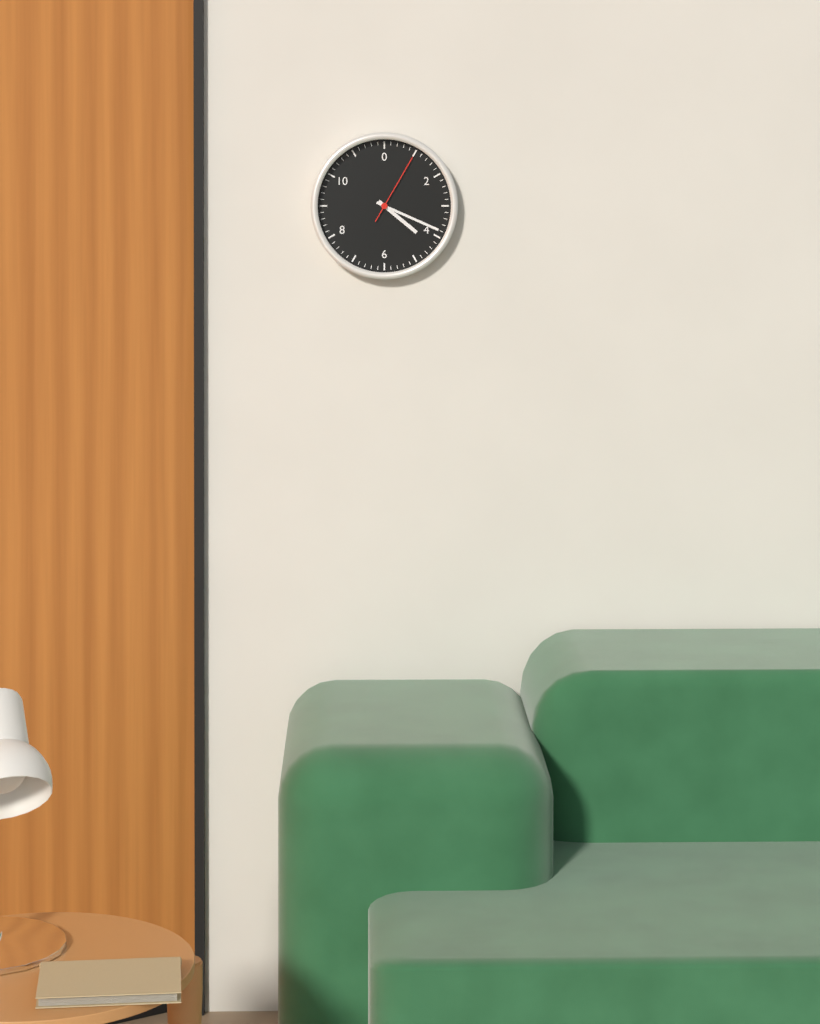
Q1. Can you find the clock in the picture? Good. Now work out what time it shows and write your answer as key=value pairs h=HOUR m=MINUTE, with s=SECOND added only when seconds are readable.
h=4 m=19 s=5
